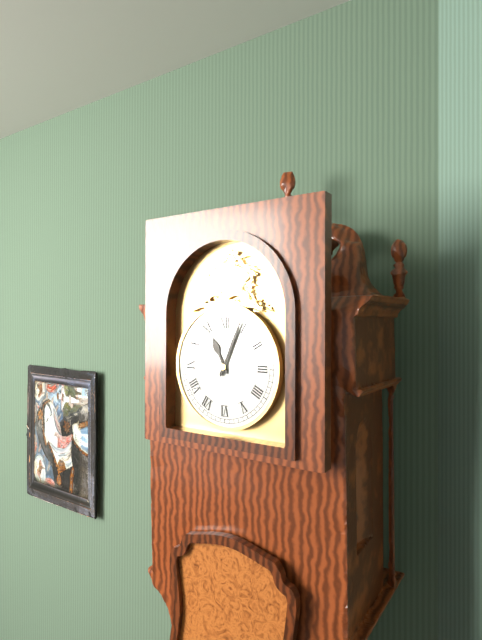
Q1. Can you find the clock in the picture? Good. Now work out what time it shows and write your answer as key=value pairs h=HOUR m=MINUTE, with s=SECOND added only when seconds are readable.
h=11 m=4
